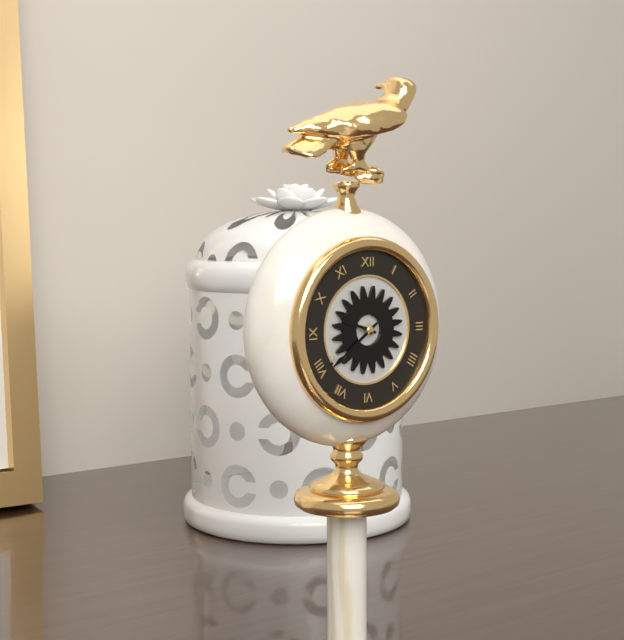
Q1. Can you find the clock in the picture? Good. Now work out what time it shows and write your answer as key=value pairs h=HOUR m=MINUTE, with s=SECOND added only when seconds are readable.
h=9 m=39
